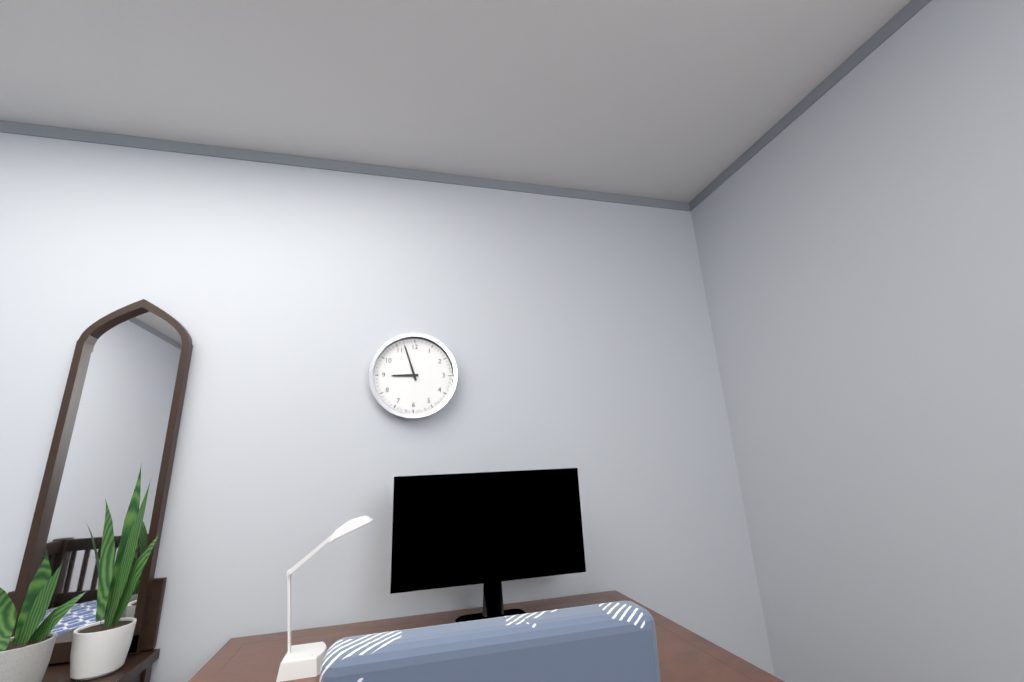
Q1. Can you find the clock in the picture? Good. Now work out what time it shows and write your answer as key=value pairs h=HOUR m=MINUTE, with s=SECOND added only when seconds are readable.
h=8 m=57
